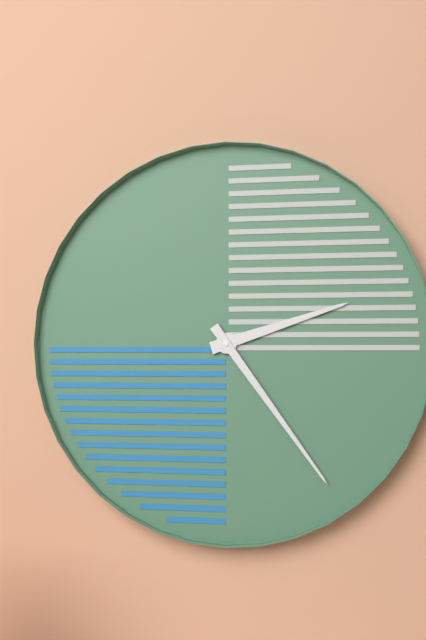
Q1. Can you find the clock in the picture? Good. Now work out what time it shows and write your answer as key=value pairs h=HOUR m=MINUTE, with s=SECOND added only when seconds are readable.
h=2 m=24
